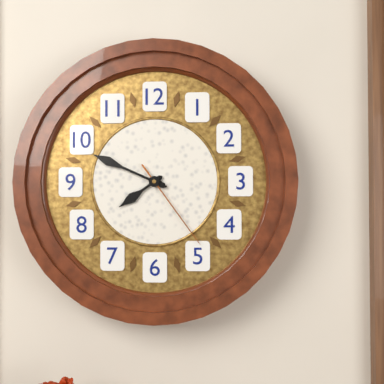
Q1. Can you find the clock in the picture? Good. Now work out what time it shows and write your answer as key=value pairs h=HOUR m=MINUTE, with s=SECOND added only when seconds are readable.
h=7 m=49 s=24
